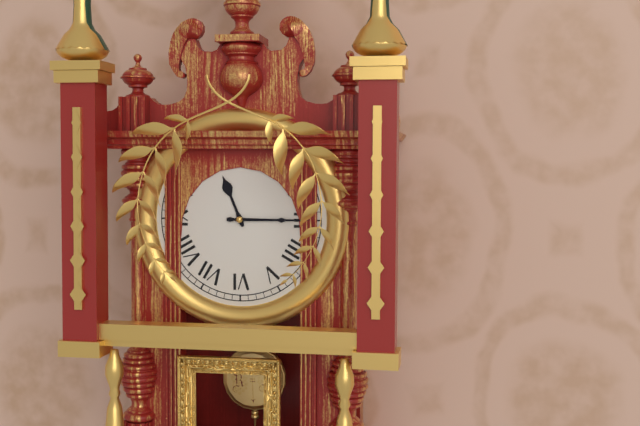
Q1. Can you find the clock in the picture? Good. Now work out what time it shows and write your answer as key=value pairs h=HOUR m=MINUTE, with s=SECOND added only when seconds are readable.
h=11 m=15
